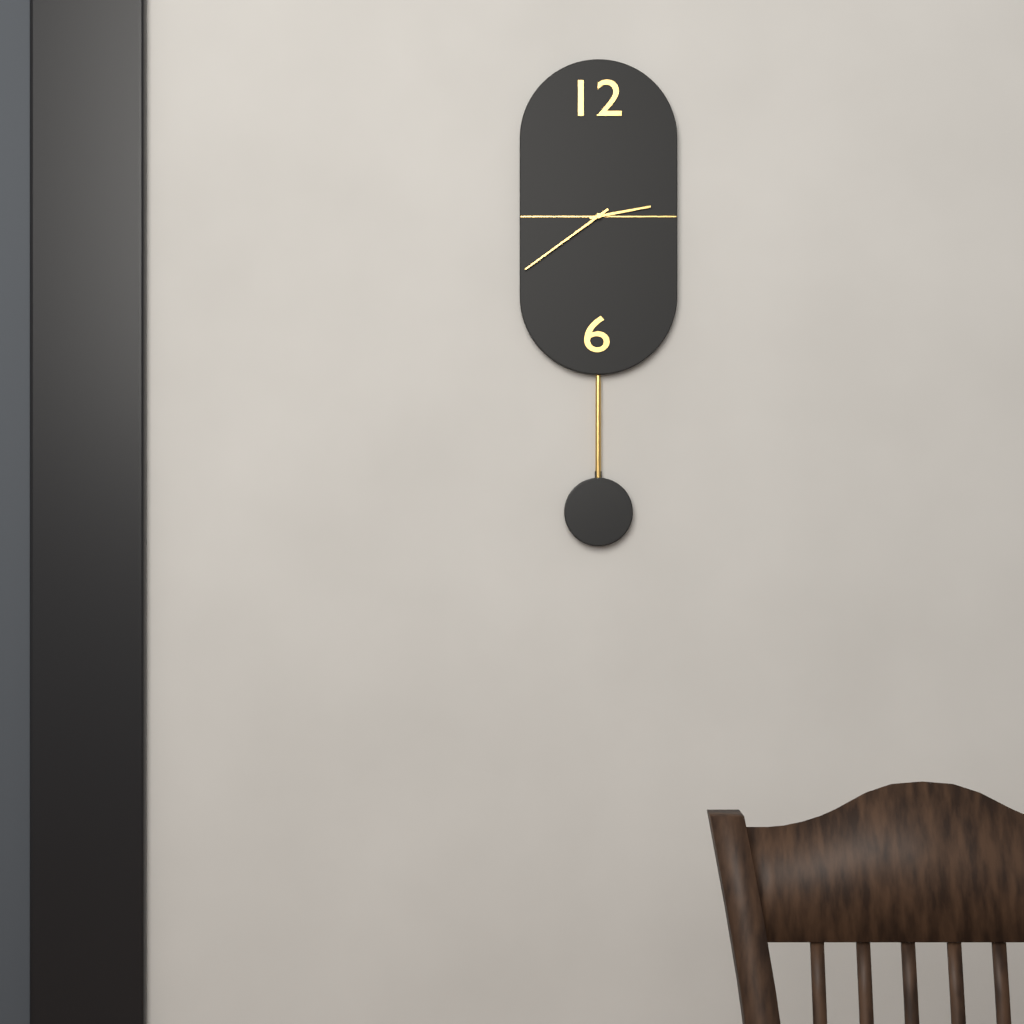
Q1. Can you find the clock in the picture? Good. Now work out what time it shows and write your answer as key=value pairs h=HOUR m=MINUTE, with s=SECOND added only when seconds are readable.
h=2 m=39
